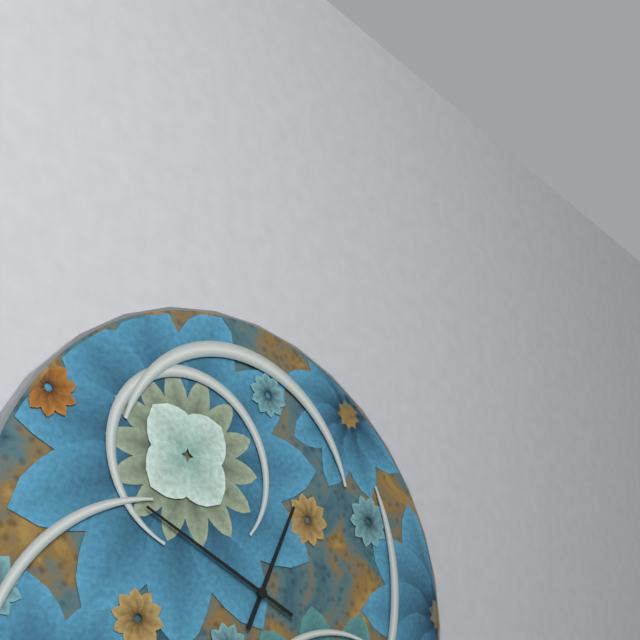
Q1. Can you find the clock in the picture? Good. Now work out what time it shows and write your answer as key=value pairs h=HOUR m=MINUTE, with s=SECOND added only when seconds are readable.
h=12 m=49
